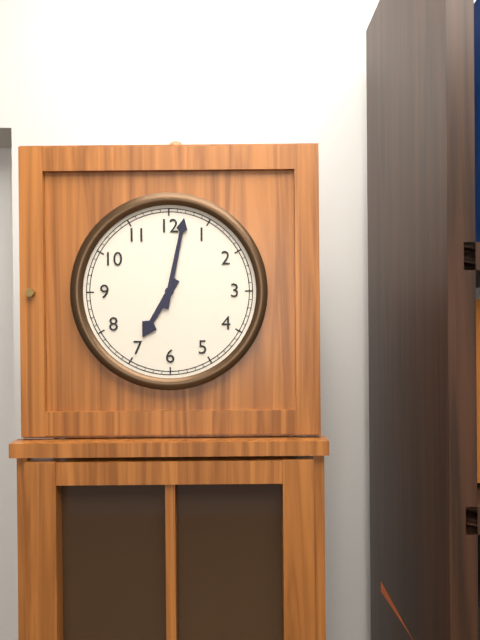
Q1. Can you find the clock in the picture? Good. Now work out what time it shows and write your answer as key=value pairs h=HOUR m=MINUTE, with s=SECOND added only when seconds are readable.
h=7 m=2
